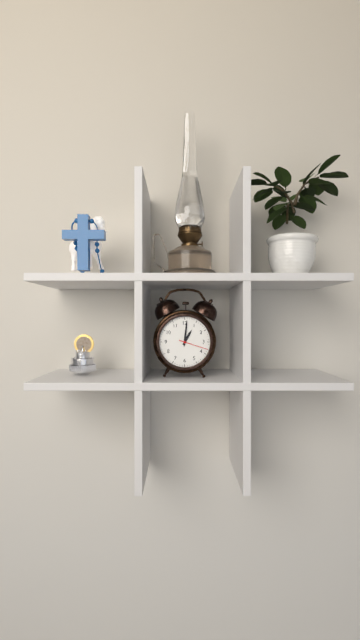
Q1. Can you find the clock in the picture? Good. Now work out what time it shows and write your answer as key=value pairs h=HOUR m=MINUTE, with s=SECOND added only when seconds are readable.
h=1 m=1
